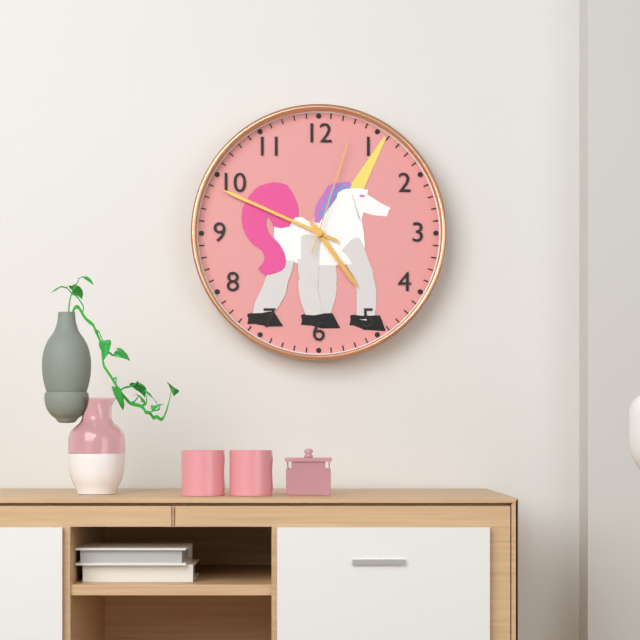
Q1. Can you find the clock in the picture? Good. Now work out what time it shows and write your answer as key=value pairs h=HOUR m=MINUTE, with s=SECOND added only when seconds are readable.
h=4 m=49 s=3
